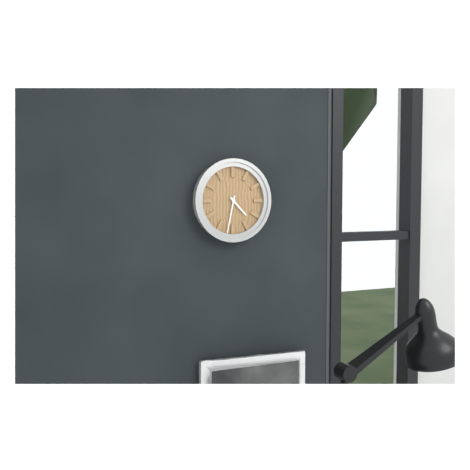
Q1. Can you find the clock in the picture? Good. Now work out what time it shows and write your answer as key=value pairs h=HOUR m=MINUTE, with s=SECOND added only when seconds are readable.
h=4 m=32
